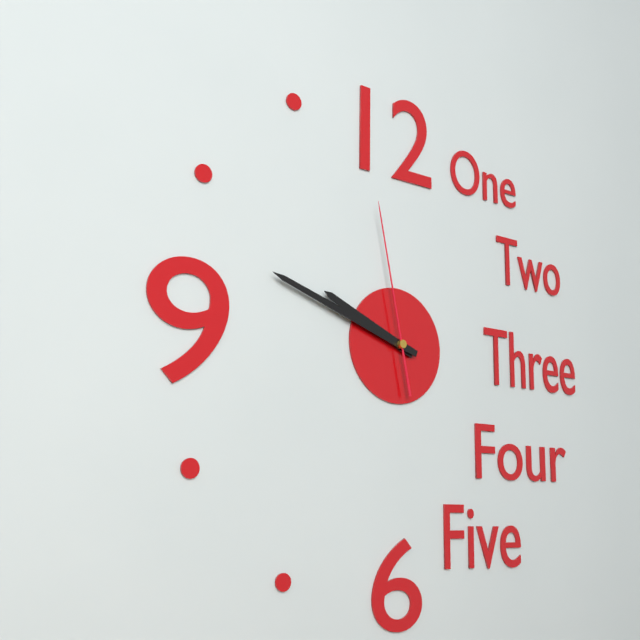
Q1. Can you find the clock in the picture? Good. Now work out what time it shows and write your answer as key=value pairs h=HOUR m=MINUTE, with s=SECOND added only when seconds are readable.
h=9 m=48 s=58
